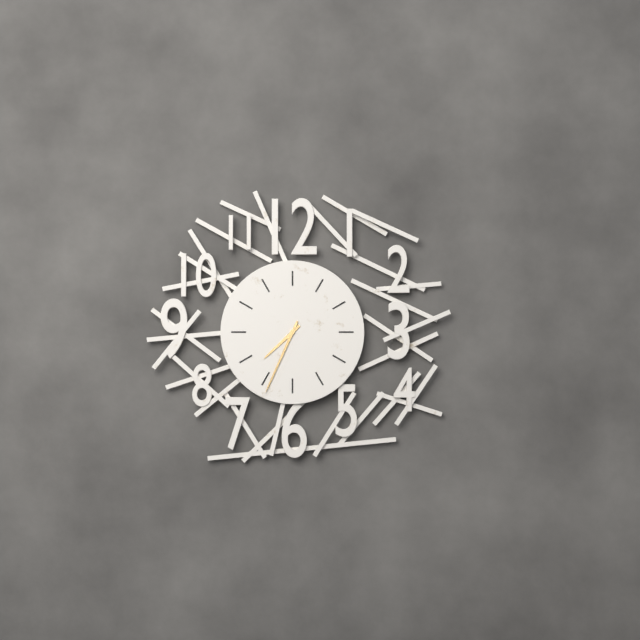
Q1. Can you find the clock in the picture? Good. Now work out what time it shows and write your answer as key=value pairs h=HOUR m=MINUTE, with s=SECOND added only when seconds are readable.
h=7 m=34
